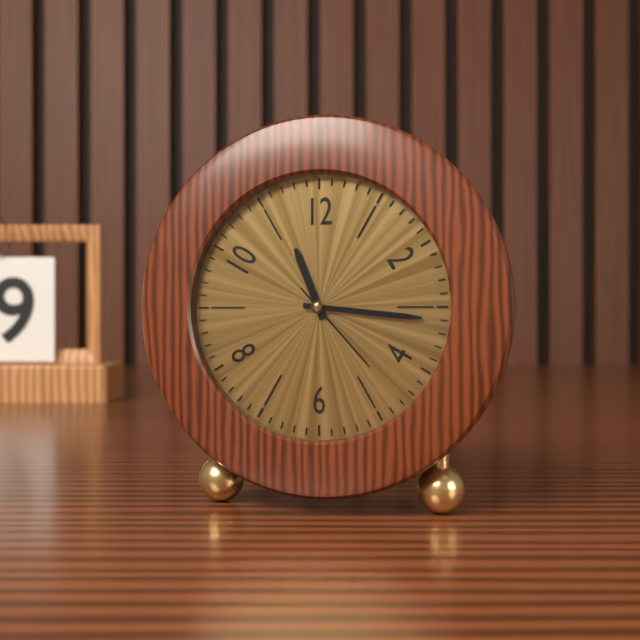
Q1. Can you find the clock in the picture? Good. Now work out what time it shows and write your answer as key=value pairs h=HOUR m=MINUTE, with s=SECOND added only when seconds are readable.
h=11 m=16 s=23
